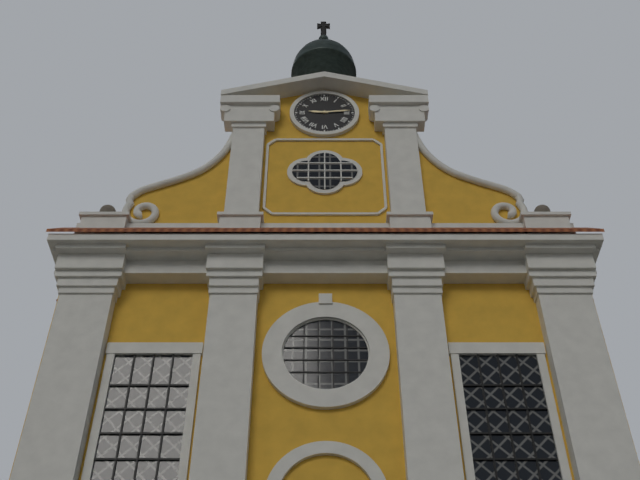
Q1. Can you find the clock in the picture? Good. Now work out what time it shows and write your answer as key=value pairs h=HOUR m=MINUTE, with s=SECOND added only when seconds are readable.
h=9 m=14
